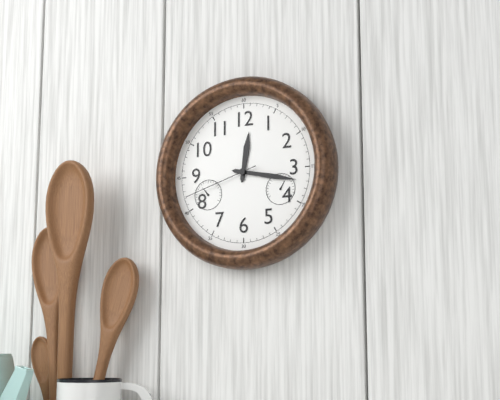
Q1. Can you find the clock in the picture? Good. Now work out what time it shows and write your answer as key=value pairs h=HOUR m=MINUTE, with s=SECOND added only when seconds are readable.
h=12 m=17 s=42
